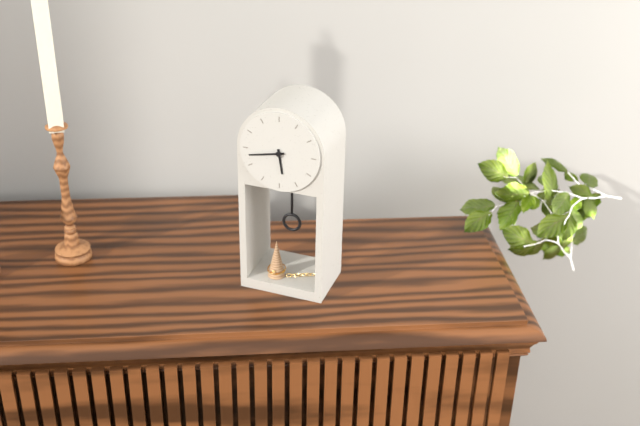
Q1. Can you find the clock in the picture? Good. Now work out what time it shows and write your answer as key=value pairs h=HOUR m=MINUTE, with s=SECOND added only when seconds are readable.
h=5 m=43
